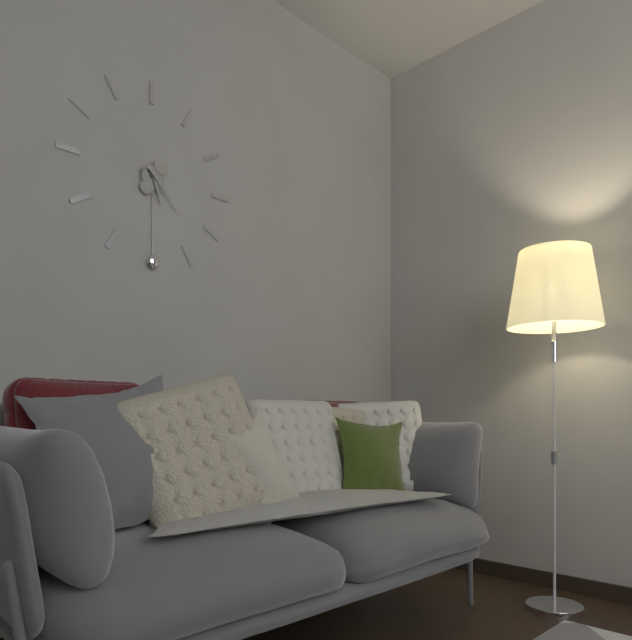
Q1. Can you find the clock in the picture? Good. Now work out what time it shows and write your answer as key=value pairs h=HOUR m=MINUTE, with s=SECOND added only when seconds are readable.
h=5 m=23
